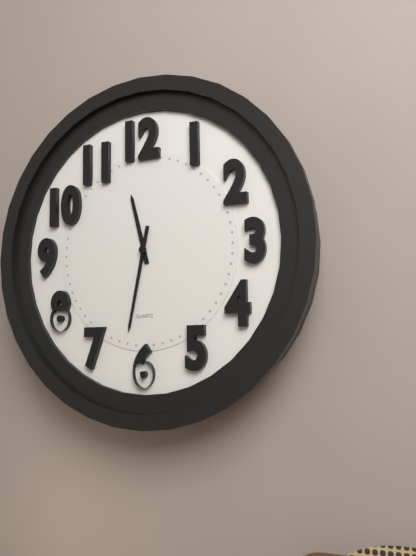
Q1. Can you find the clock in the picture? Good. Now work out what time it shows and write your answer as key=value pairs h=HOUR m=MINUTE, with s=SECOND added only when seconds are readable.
h=11 m=32
